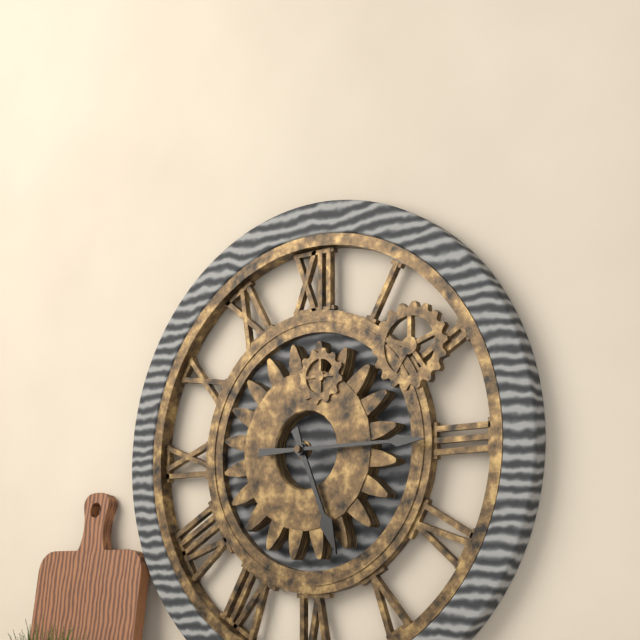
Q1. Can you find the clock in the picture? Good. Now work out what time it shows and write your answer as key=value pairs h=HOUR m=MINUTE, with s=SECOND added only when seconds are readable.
h=5 m=15
